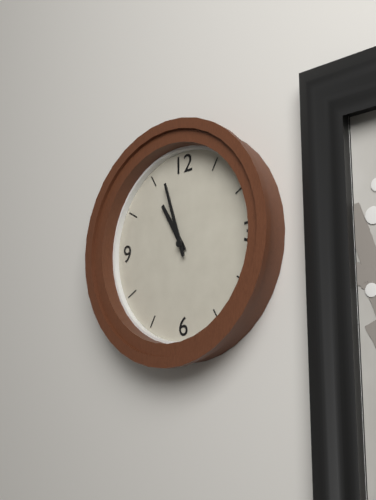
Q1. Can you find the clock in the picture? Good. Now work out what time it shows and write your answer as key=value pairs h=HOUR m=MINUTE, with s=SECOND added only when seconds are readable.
h=10 m=57
